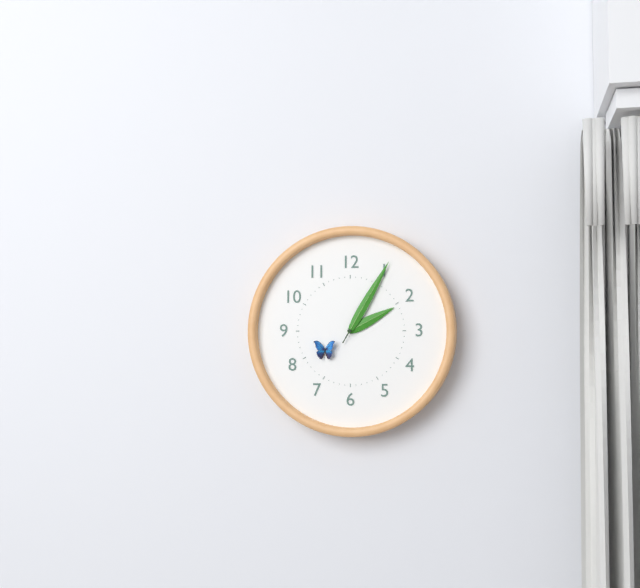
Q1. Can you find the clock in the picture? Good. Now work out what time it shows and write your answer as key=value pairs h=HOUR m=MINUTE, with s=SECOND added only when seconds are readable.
h=2 m=5
